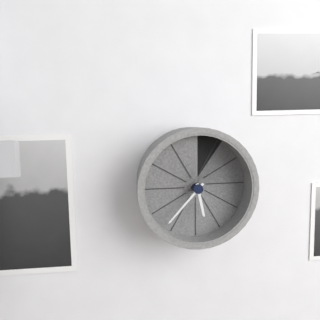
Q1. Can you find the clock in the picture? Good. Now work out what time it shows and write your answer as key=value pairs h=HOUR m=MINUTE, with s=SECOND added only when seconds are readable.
h=5 m=37
